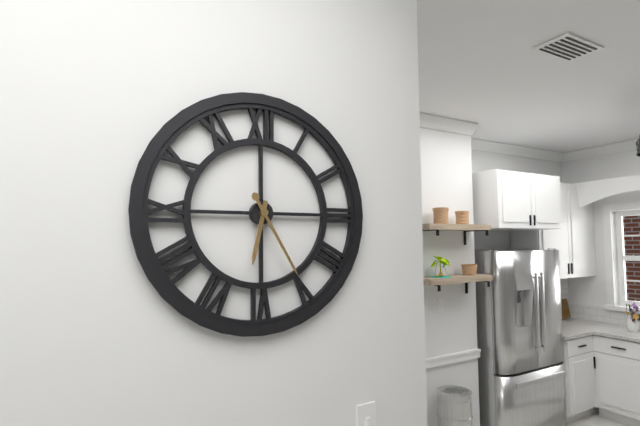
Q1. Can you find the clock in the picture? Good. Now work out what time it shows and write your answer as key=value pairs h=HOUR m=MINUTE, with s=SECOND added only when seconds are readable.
h=6 m=25
